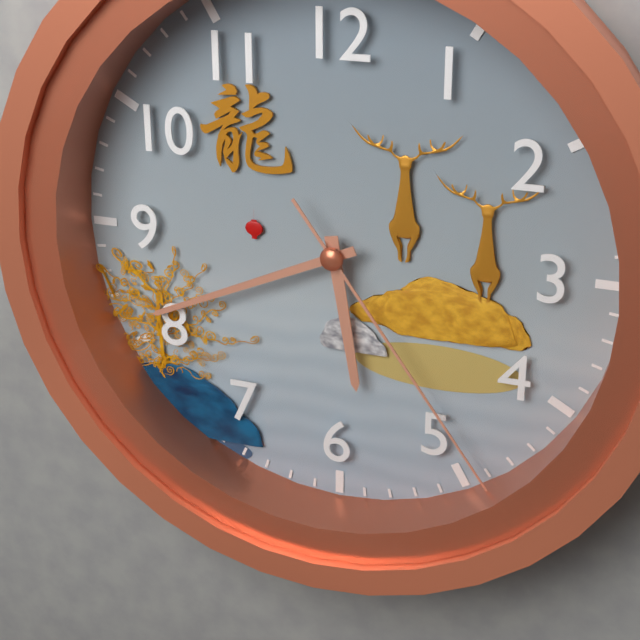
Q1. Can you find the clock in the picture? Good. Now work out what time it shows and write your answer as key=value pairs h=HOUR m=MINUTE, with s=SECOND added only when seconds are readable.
h=5 m=41 s=24
